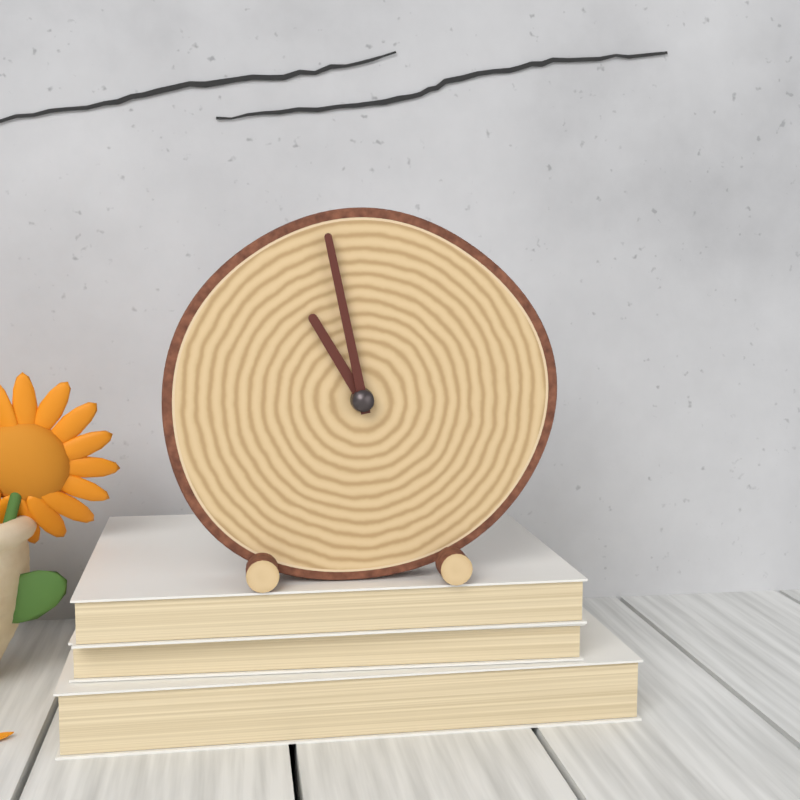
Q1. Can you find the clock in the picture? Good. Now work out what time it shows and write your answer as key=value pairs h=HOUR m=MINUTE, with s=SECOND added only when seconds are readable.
h=10 m=58
